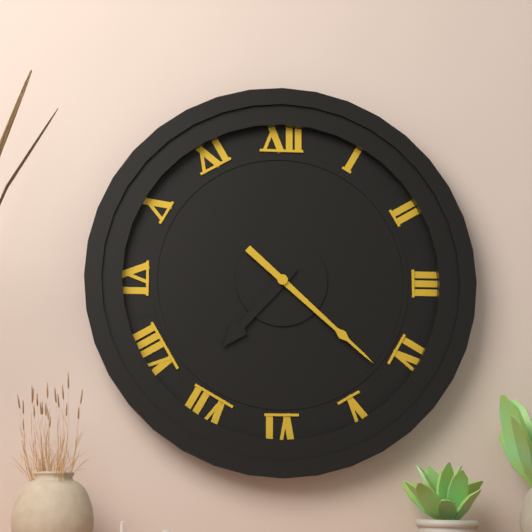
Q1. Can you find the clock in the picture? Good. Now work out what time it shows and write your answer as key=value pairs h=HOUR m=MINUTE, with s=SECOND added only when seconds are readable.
h=7 m=22
